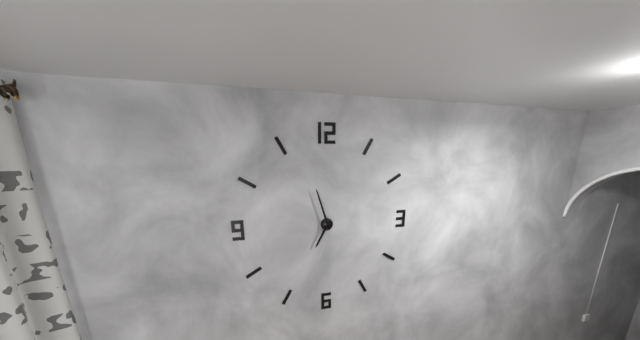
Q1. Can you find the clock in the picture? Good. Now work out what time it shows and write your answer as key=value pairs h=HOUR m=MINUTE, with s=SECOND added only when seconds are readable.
h=6 m=57
